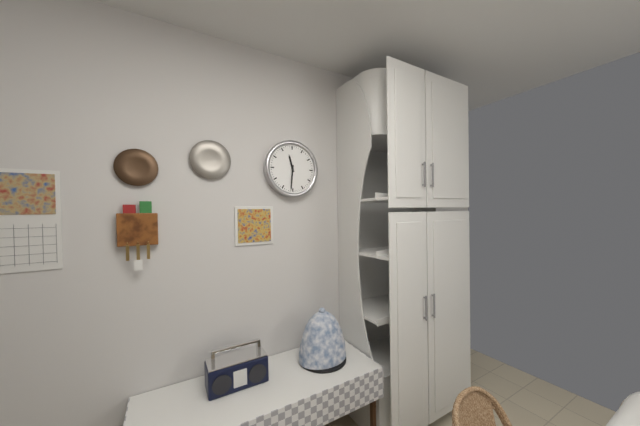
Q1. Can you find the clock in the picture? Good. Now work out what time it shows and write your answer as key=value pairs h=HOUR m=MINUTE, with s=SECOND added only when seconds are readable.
h=11 m=31
